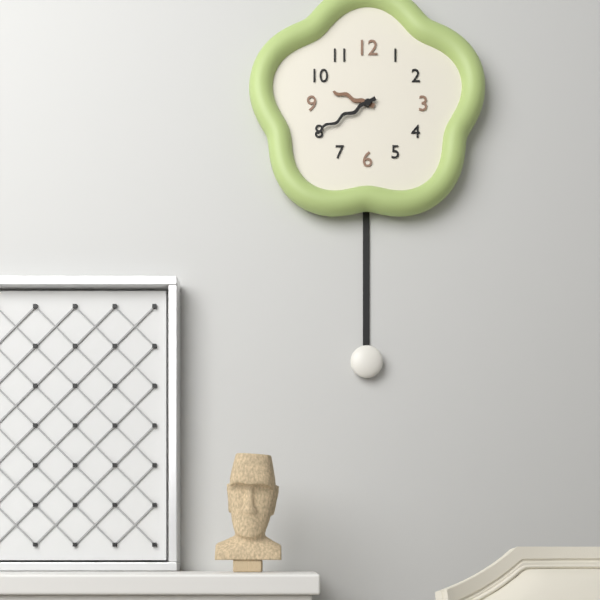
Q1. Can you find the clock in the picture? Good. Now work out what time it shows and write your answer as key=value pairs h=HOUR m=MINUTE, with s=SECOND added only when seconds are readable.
h=9 m=40
